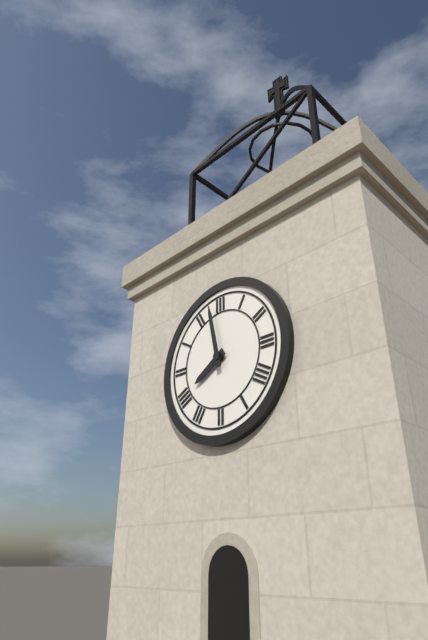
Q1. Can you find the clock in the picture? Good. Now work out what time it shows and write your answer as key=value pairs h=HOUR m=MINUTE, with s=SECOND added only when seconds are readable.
h=7 m=58
